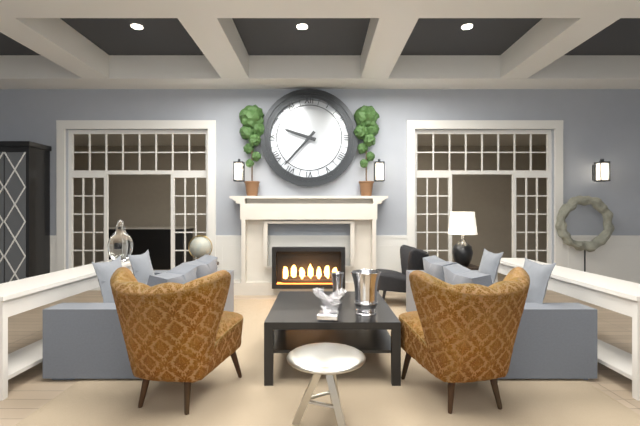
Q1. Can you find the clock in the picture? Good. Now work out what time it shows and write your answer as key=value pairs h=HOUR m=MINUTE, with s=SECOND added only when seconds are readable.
h=9 m=37
